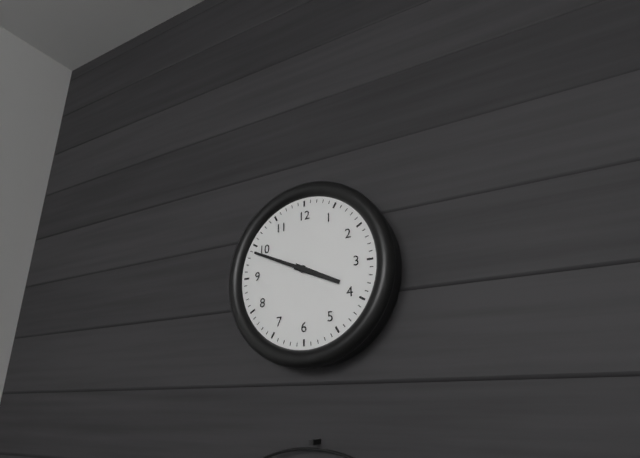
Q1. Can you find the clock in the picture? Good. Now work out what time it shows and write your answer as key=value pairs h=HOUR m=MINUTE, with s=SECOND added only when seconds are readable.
h=3 m=49
